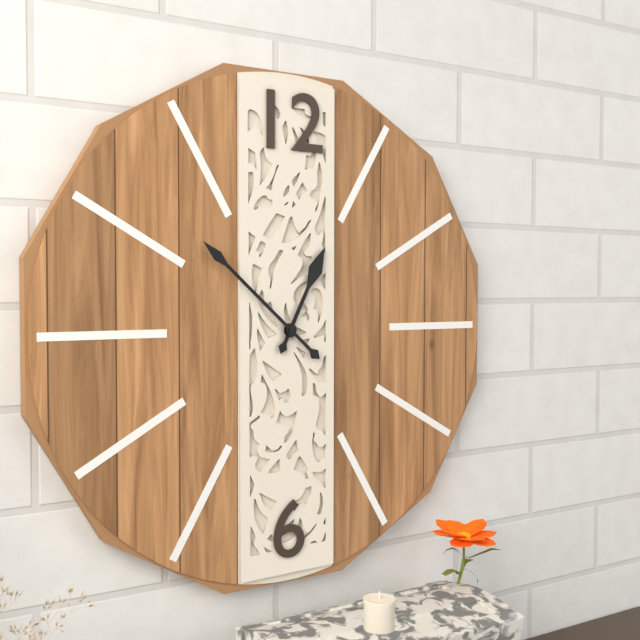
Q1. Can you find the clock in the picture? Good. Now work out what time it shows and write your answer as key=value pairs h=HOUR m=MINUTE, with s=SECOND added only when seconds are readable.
h=12 m=52
